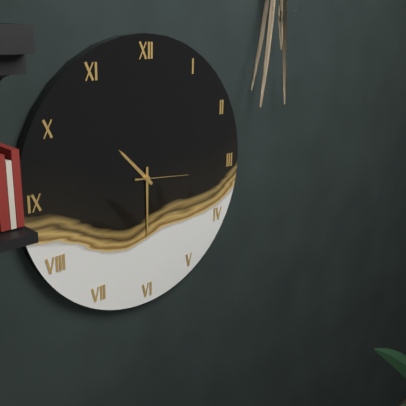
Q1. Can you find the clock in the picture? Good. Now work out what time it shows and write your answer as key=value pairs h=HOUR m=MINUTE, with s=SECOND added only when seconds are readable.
h=10 m=30 s=16
